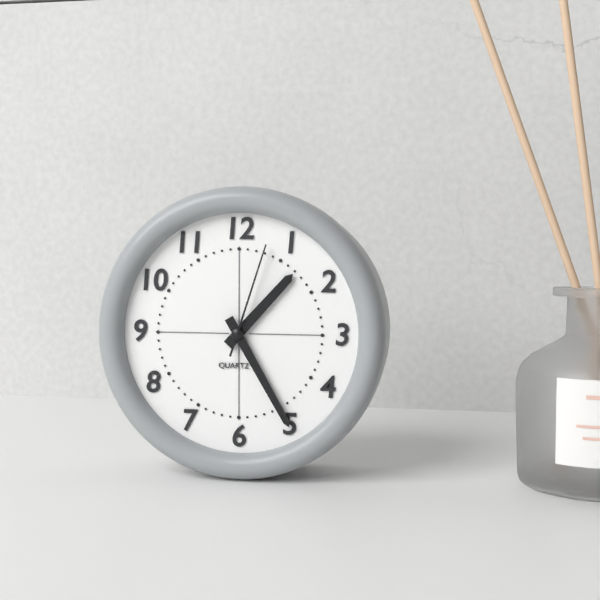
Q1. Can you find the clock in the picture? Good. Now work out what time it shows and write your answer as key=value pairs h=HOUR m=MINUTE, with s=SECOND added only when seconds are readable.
h=1 m=25 s=3
